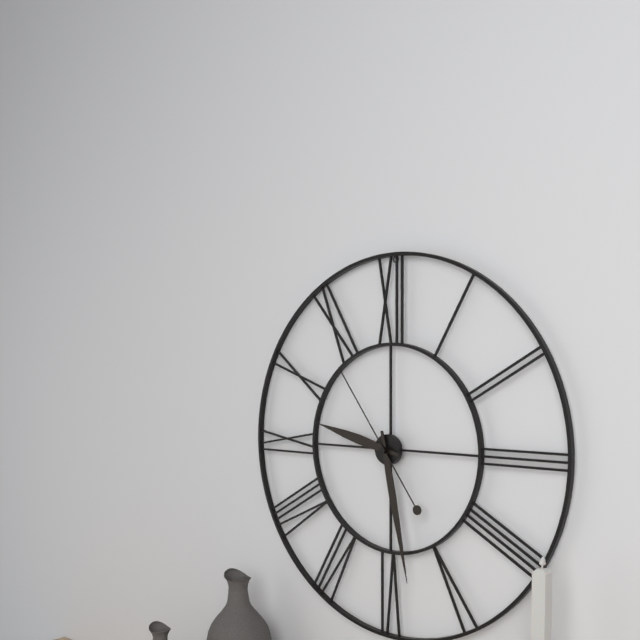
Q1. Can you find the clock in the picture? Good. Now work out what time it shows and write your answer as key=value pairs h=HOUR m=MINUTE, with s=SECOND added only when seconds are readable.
h=9 m=28 s=54
